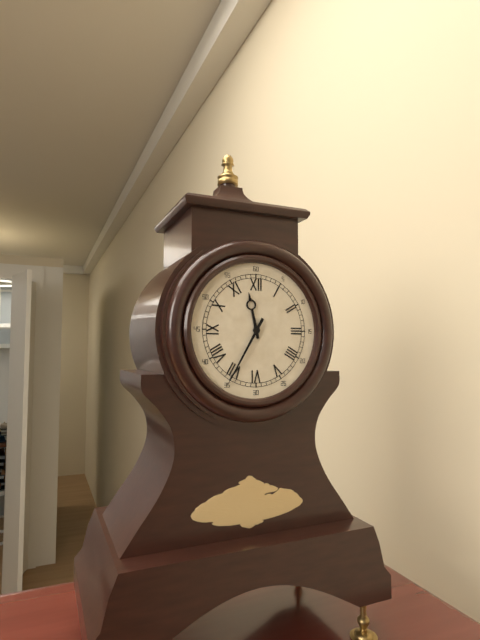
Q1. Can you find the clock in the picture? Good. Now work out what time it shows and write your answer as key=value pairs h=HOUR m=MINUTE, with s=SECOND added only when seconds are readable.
h=11 m=35
